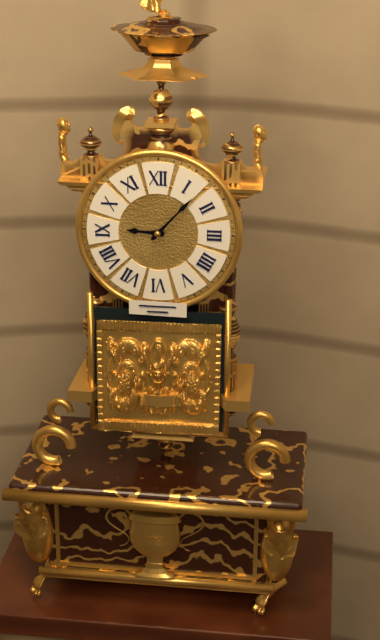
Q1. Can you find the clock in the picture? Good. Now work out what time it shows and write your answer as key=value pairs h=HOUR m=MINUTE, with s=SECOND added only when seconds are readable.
h=9 m=7
